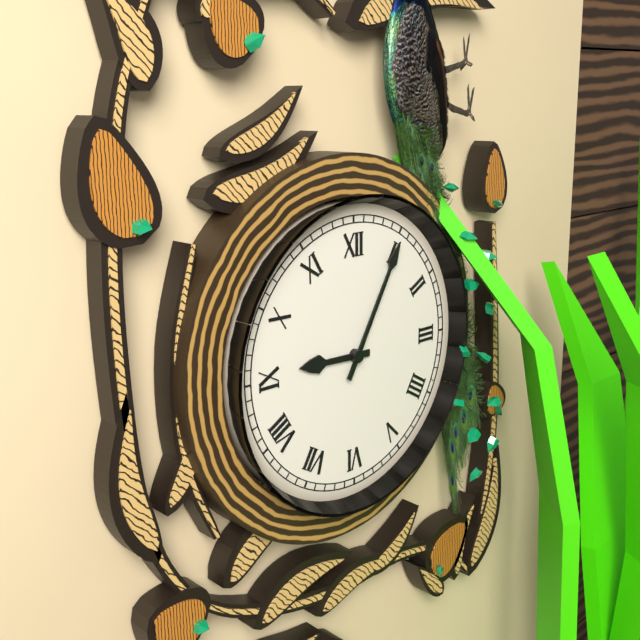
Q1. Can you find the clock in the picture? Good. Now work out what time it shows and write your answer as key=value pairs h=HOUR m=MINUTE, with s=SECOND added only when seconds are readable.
h=9 m=5
